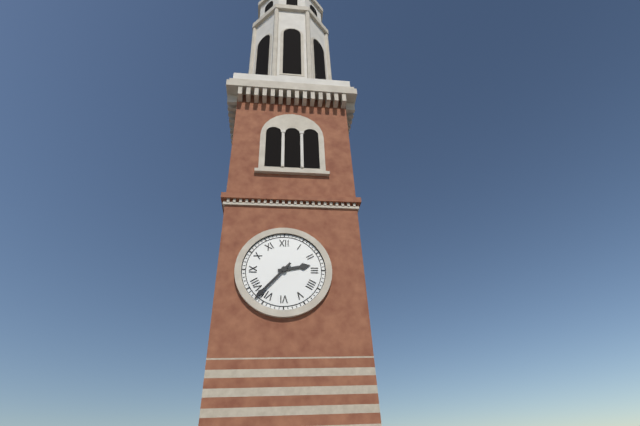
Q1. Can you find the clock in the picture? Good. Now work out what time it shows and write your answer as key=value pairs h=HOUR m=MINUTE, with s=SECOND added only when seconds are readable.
h=2 m=37
